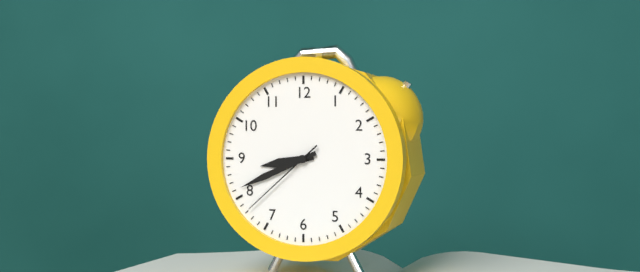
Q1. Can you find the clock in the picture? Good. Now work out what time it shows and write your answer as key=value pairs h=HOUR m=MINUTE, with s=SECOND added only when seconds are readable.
h=8 m=41 s=38
